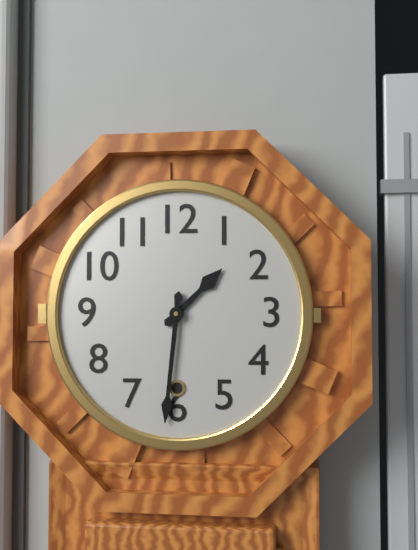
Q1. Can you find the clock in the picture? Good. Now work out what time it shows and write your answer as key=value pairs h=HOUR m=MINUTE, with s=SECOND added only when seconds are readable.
h=1 m=31
